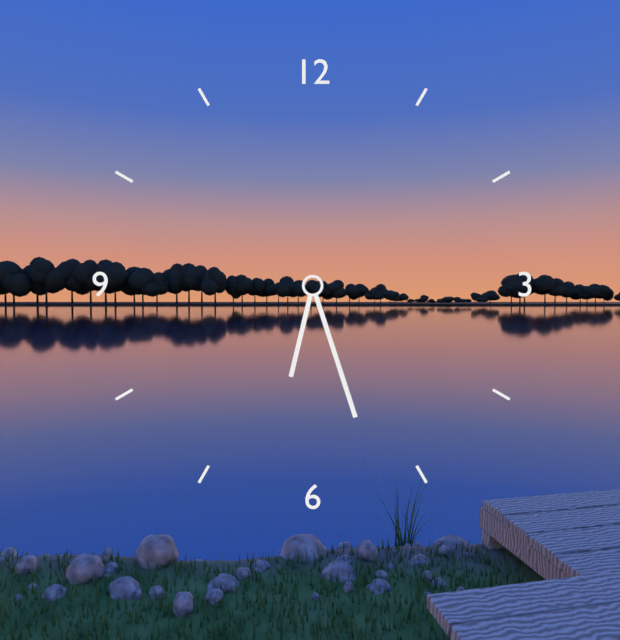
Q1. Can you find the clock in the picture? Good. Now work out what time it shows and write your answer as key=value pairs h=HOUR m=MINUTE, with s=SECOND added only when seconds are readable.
h=6 m=27
